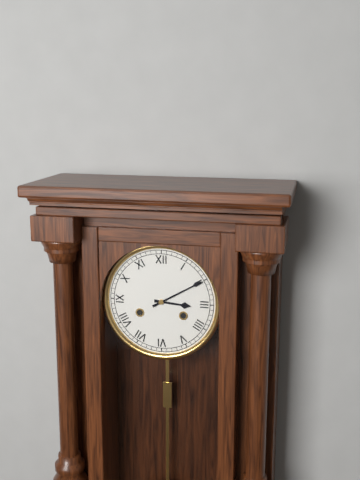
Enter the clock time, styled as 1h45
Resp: 3h10
